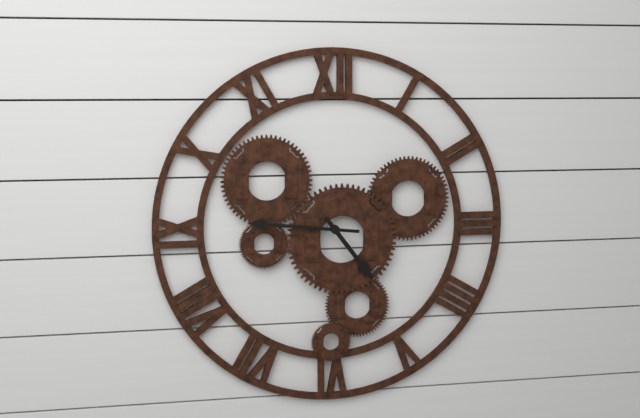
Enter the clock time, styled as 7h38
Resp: 4h46
